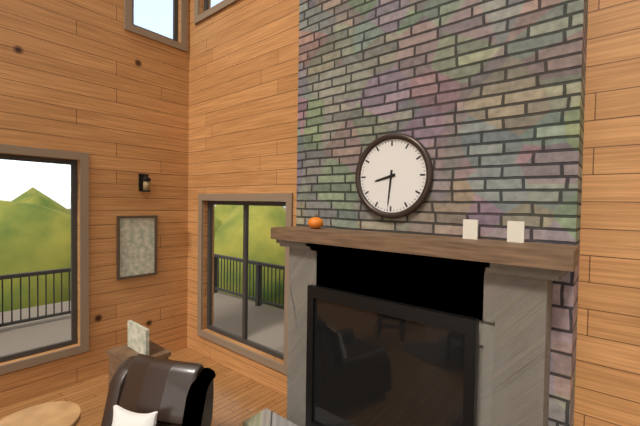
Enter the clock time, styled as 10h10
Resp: 8h31
